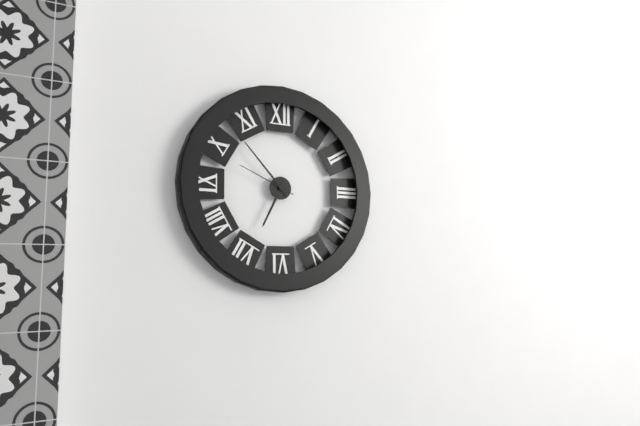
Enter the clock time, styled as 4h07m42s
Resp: 6h53m49s
